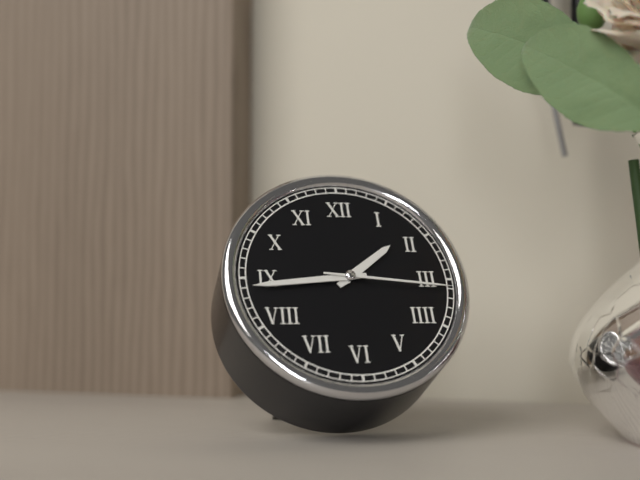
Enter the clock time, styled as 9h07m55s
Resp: 1h44m16s
